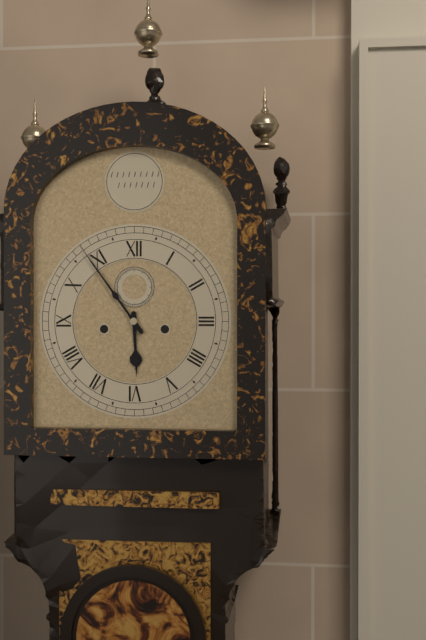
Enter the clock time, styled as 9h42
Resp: 5h54
